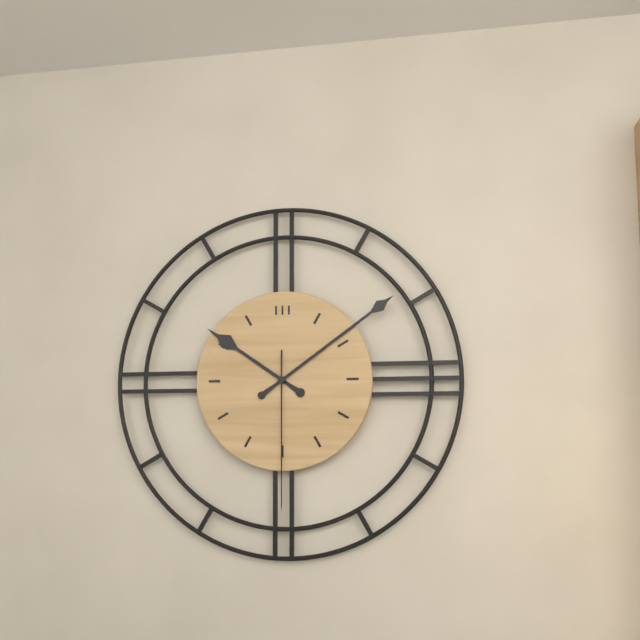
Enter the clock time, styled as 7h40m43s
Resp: 10h09m30s
